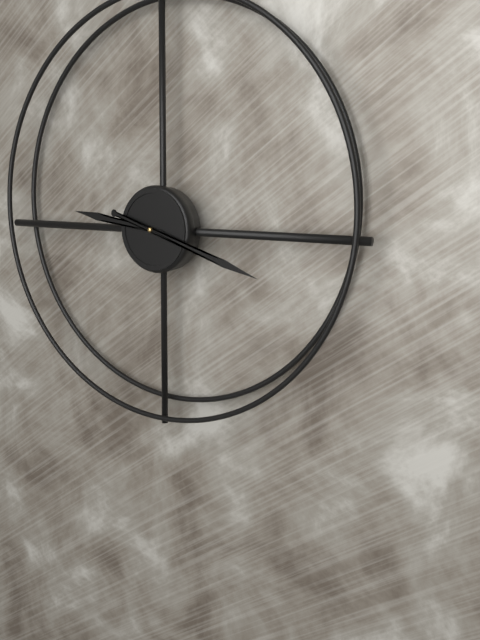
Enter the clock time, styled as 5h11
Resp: 9h18
